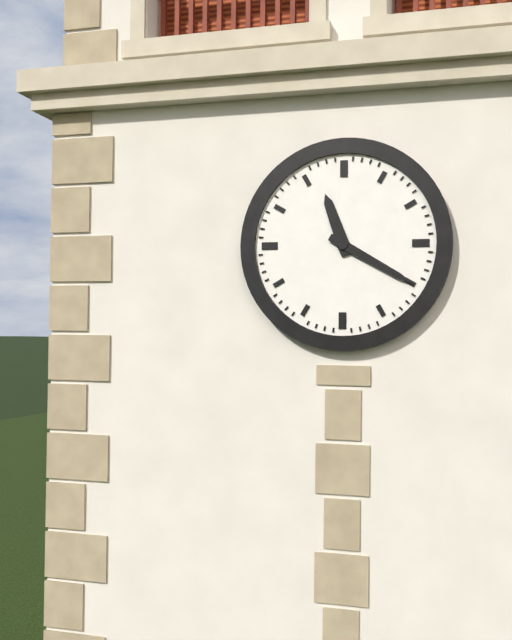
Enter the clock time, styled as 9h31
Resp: 11h20
